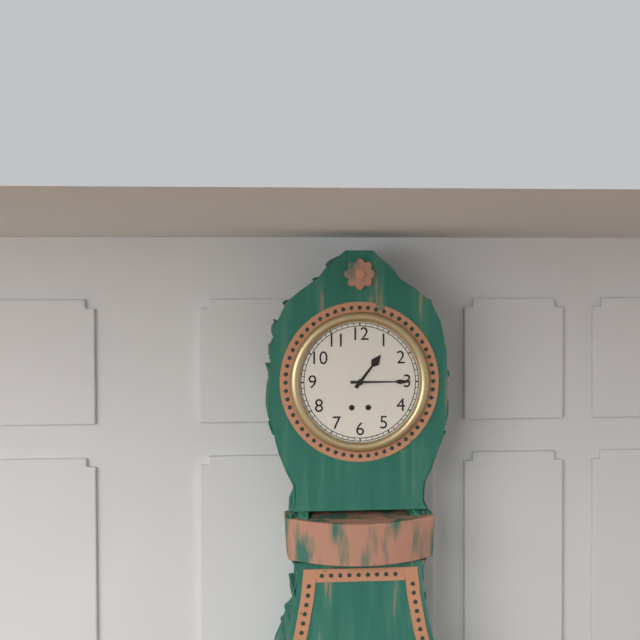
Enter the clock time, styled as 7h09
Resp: 1h15
